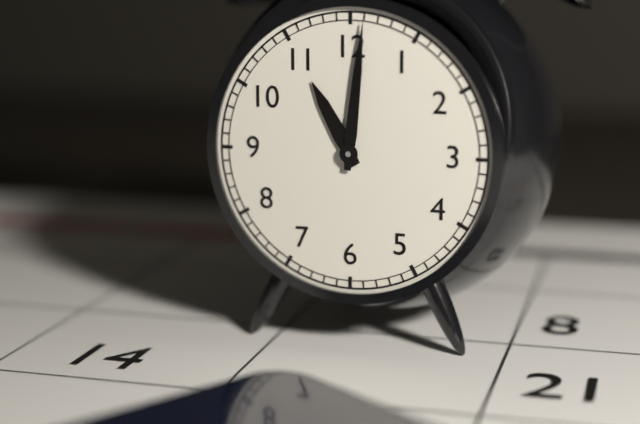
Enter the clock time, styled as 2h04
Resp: 11h01
